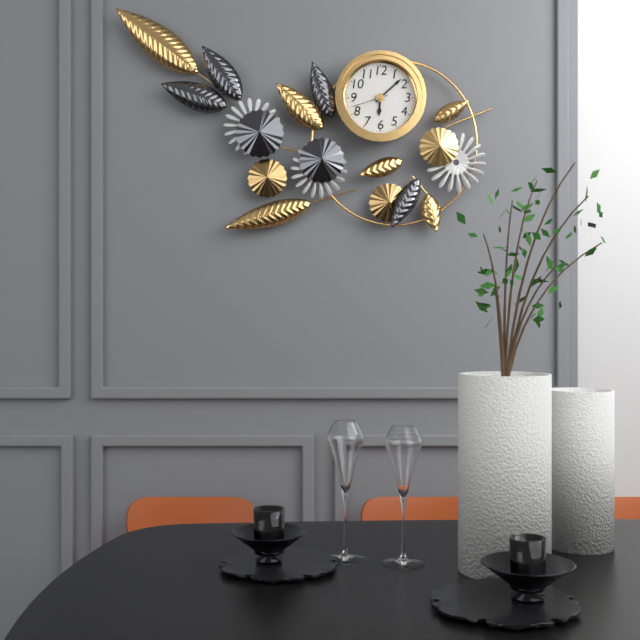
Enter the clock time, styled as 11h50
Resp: 6h08
